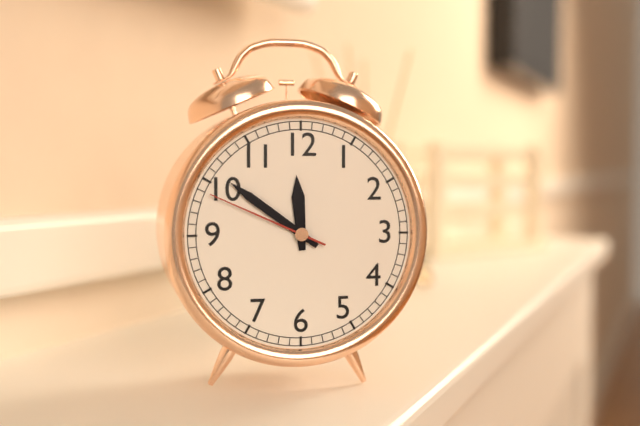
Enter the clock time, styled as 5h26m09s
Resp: 11h51m49s
